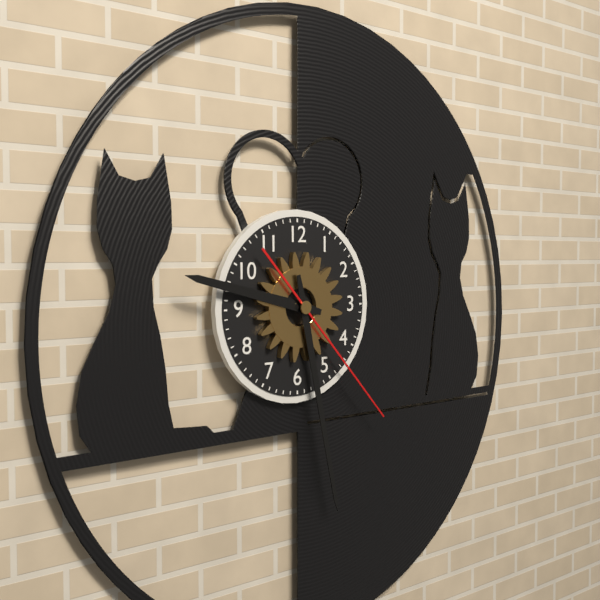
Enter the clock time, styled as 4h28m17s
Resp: 9h28m23s
